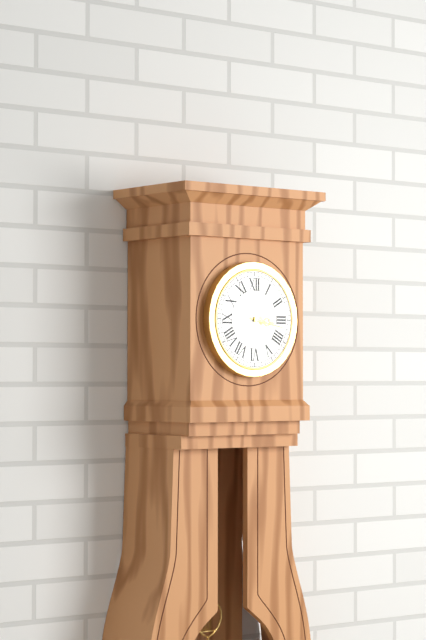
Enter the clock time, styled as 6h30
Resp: 3h17
